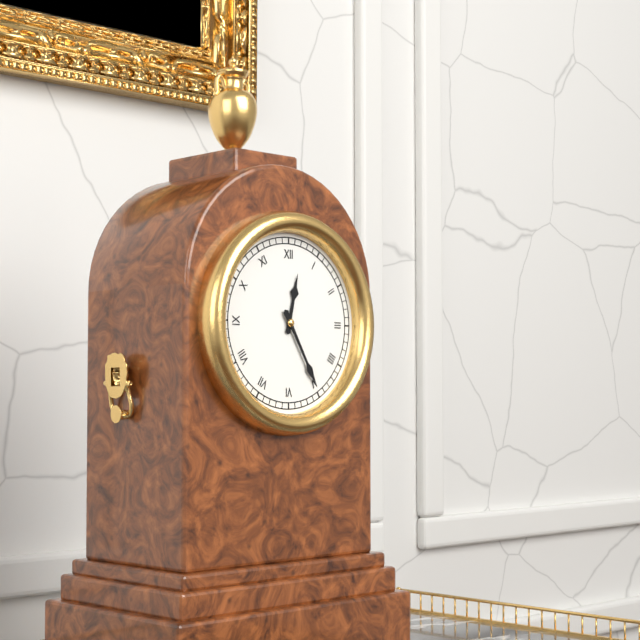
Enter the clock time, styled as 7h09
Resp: 12h25
